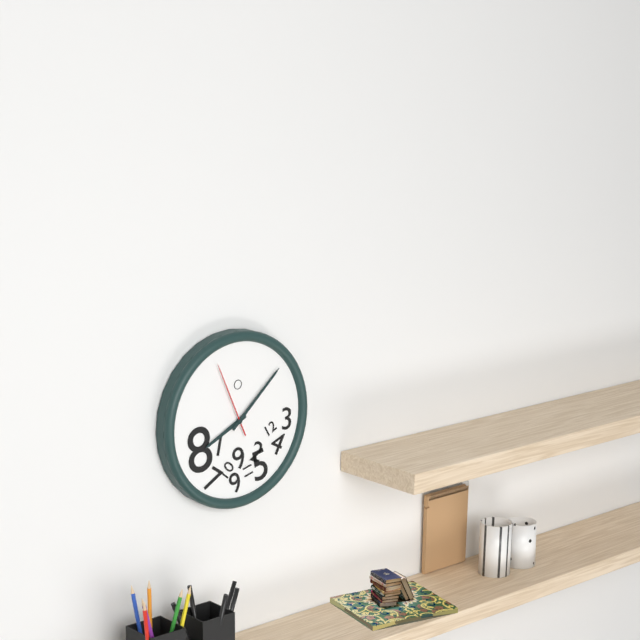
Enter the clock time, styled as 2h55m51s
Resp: 8h08m56s
